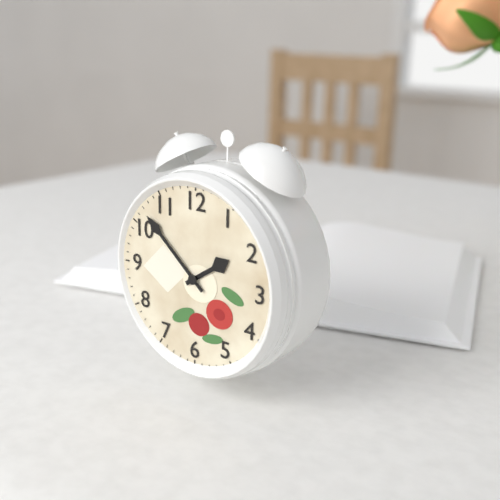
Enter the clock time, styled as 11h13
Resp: 1h52
